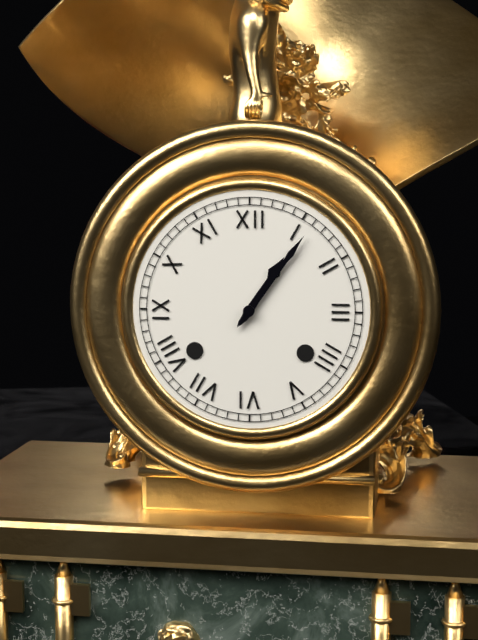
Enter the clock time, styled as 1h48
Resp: 1h06
